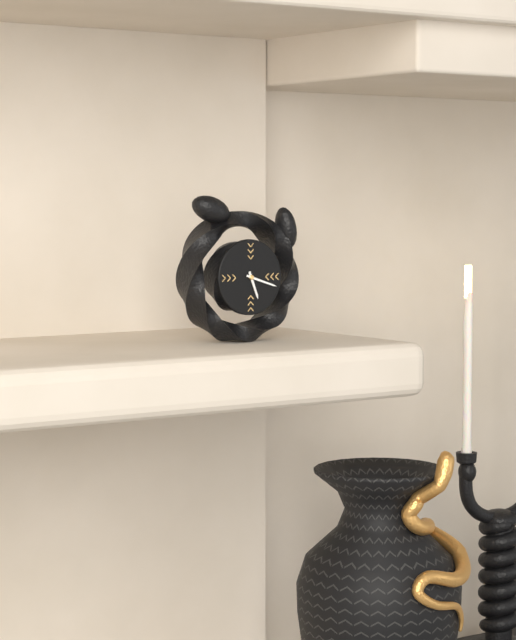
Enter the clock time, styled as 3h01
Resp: 5h18
